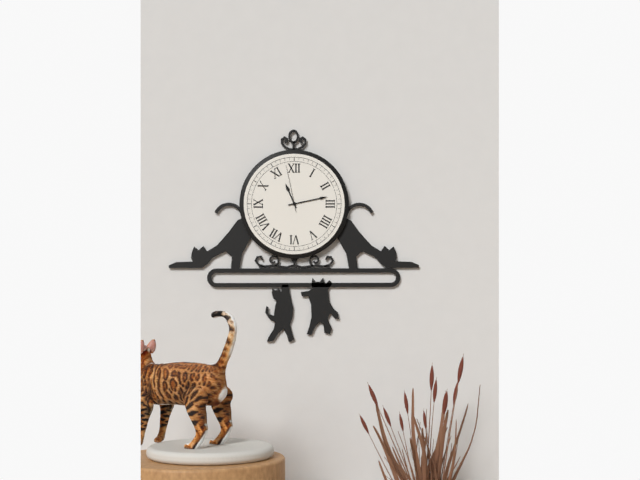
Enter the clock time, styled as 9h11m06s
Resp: 11h13m58s
